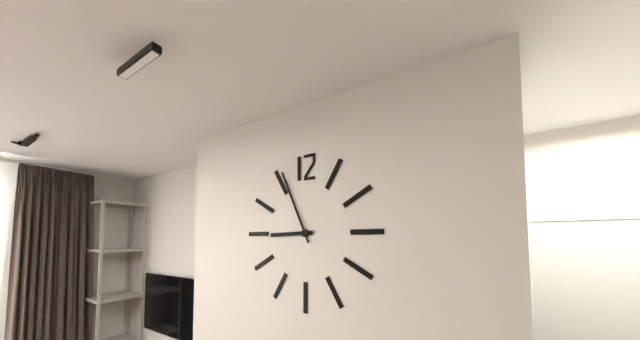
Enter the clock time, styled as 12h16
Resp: 8h56
